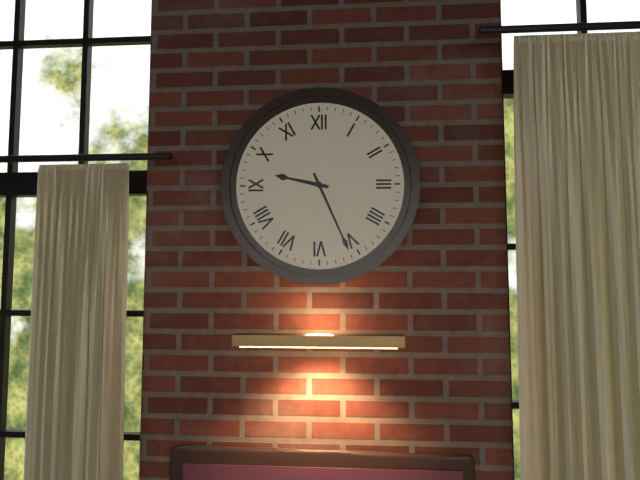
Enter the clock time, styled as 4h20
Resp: 9h26
